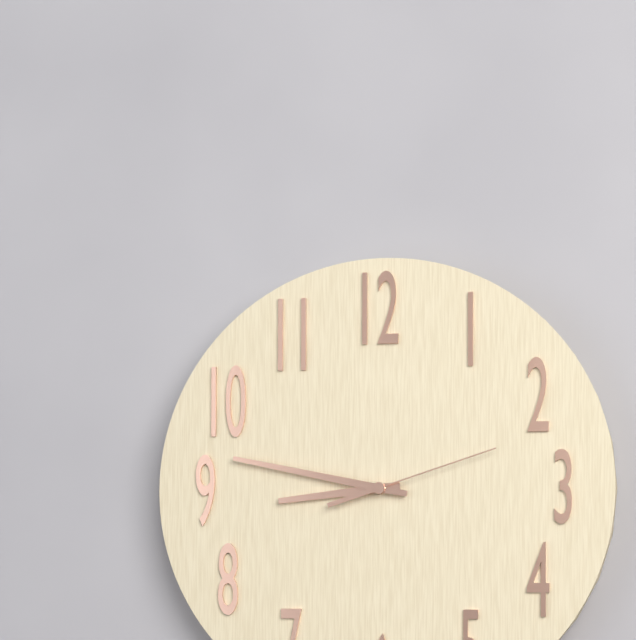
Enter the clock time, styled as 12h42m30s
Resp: 8h47m12s
